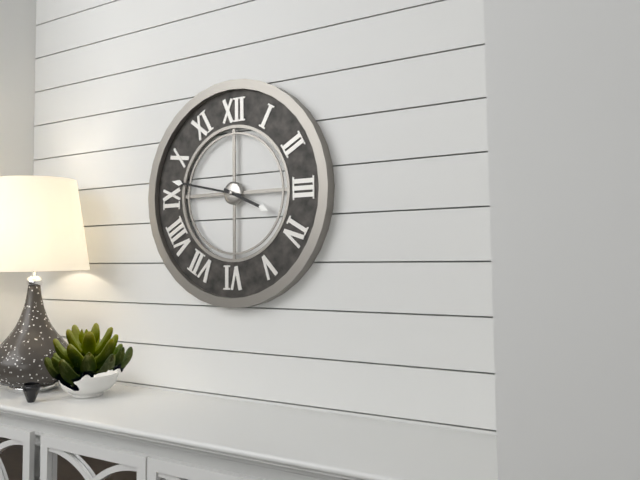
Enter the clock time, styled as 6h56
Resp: 3h47
